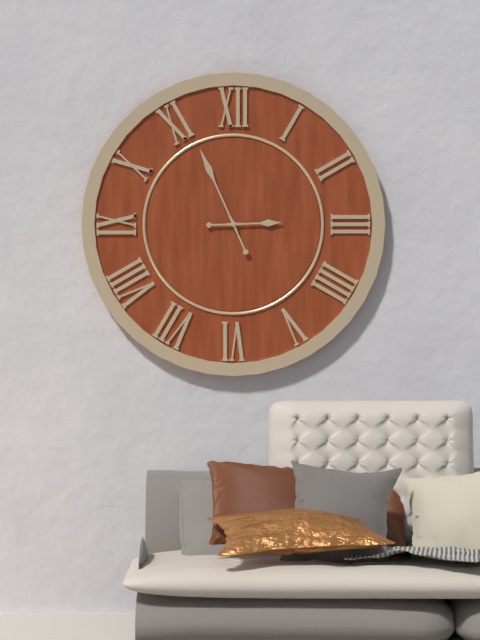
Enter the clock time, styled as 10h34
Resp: 2h56
